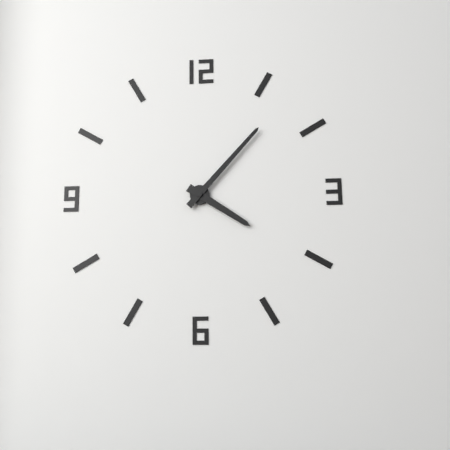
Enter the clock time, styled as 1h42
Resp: 4h07
